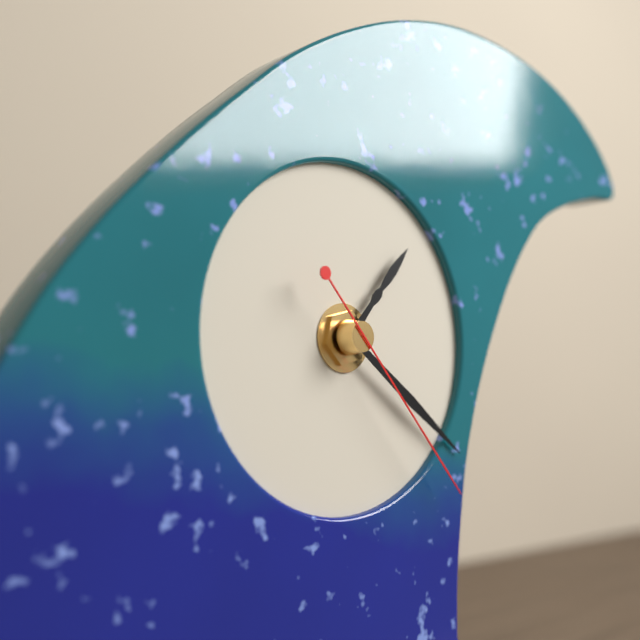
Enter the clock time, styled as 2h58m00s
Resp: 1h21m23s
